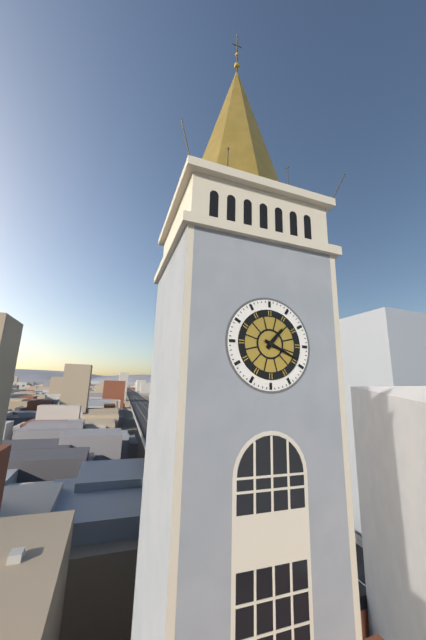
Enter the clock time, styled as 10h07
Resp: 1h19
